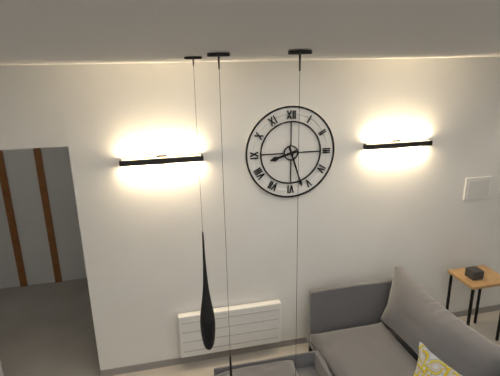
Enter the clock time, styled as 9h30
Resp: 8h27
